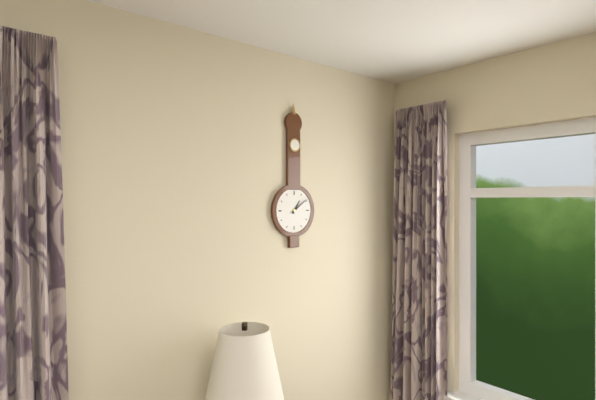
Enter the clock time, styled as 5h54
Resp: 1h09
